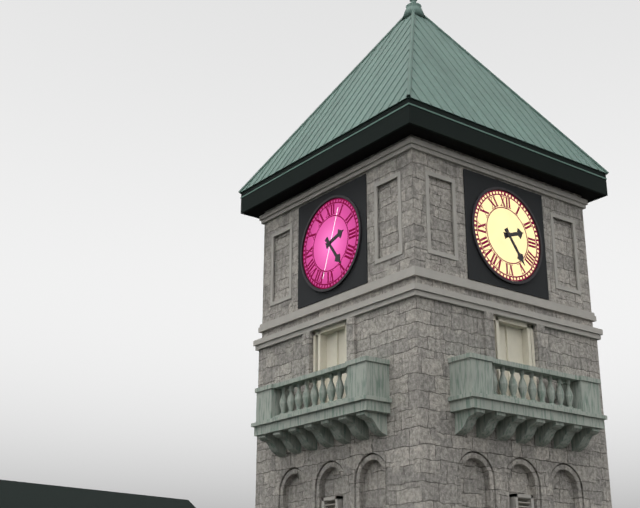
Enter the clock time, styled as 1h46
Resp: 2h24
